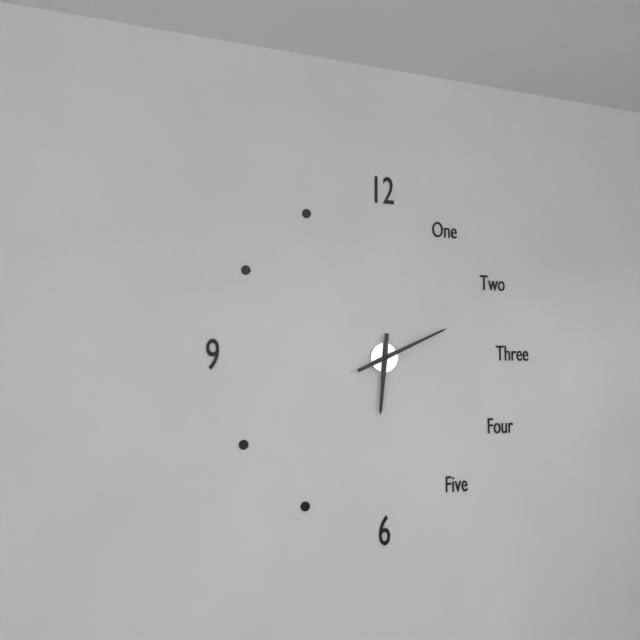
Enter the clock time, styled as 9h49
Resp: 6h11
